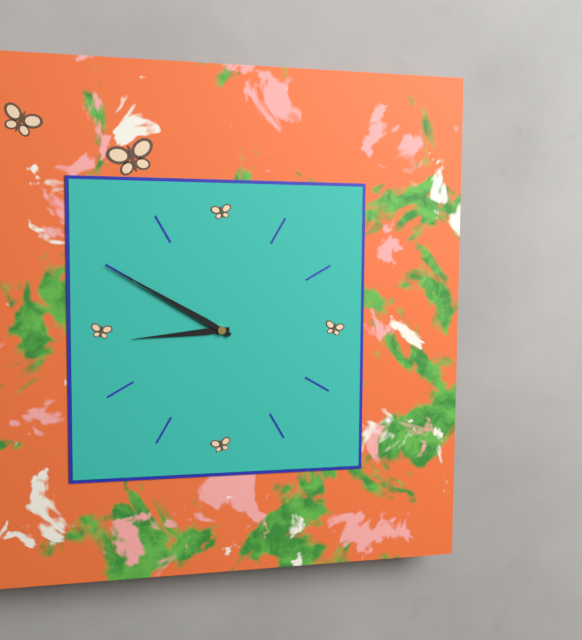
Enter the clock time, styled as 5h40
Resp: 8h50
